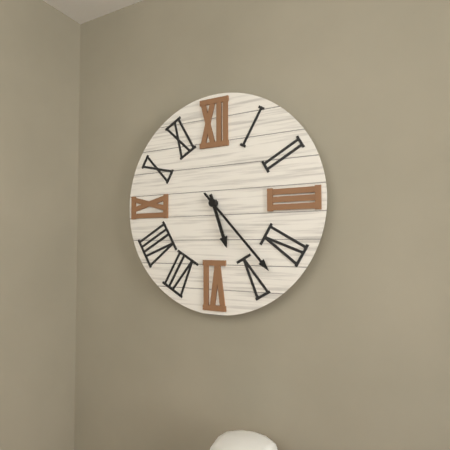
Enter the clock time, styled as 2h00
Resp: 5h23
